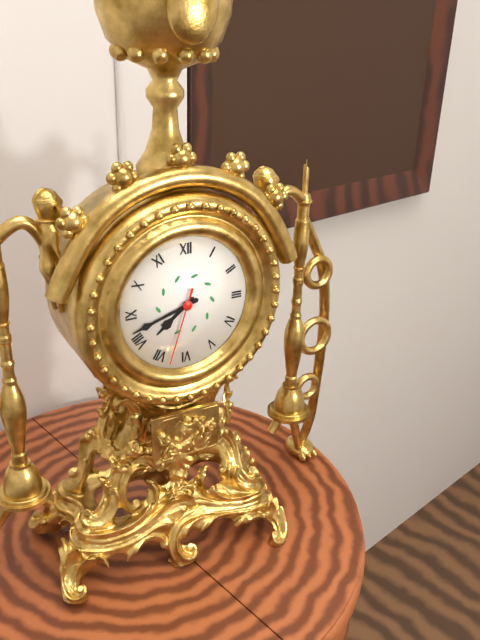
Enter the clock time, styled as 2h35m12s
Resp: 7h42m33s
